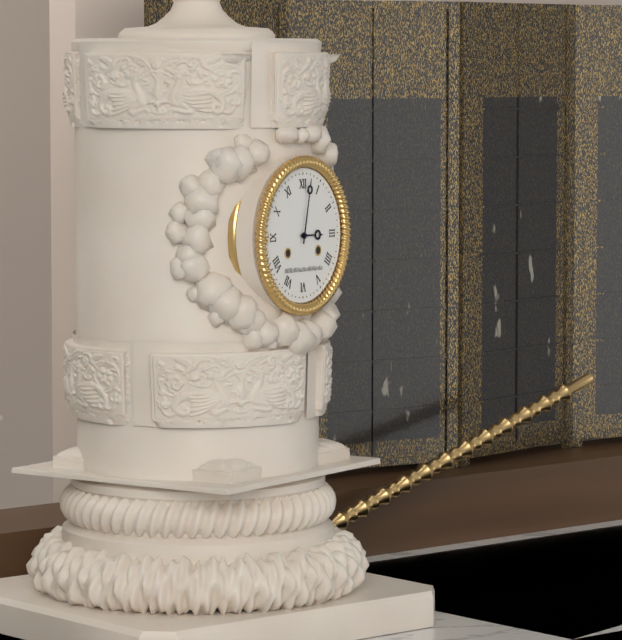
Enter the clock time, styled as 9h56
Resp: 3h02
